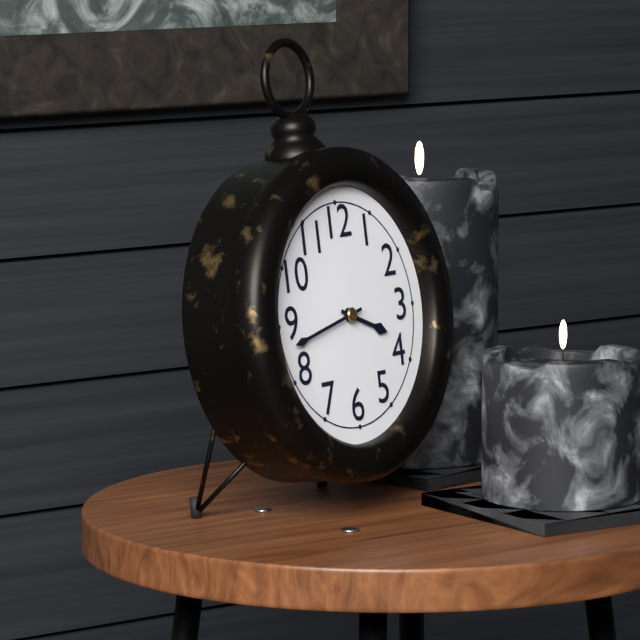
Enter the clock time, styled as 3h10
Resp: 3h43
